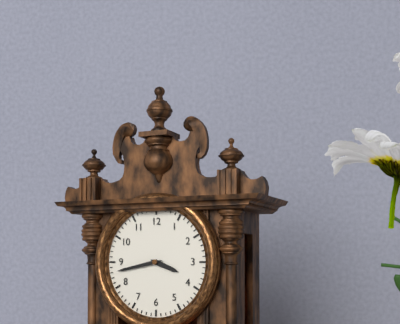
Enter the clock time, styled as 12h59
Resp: 3h43
